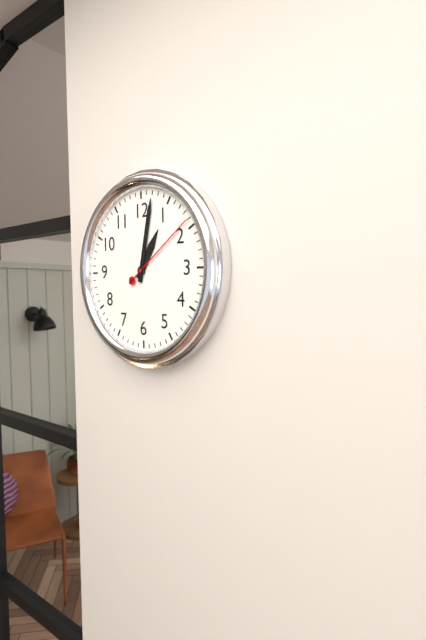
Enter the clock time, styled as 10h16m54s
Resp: 1h02m09s
